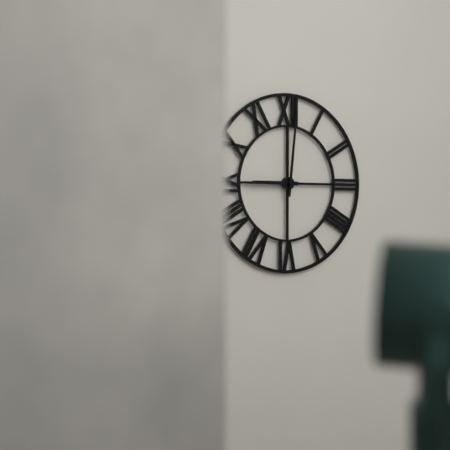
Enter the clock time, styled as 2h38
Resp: 9h01
